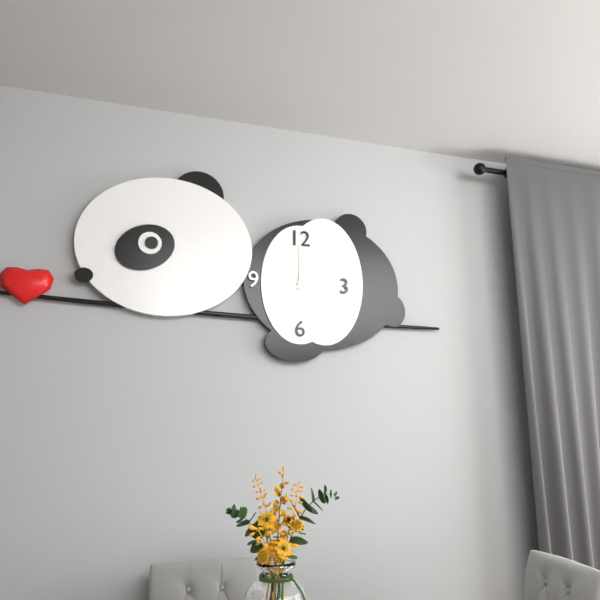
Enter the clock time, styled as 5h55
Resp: 1h00
